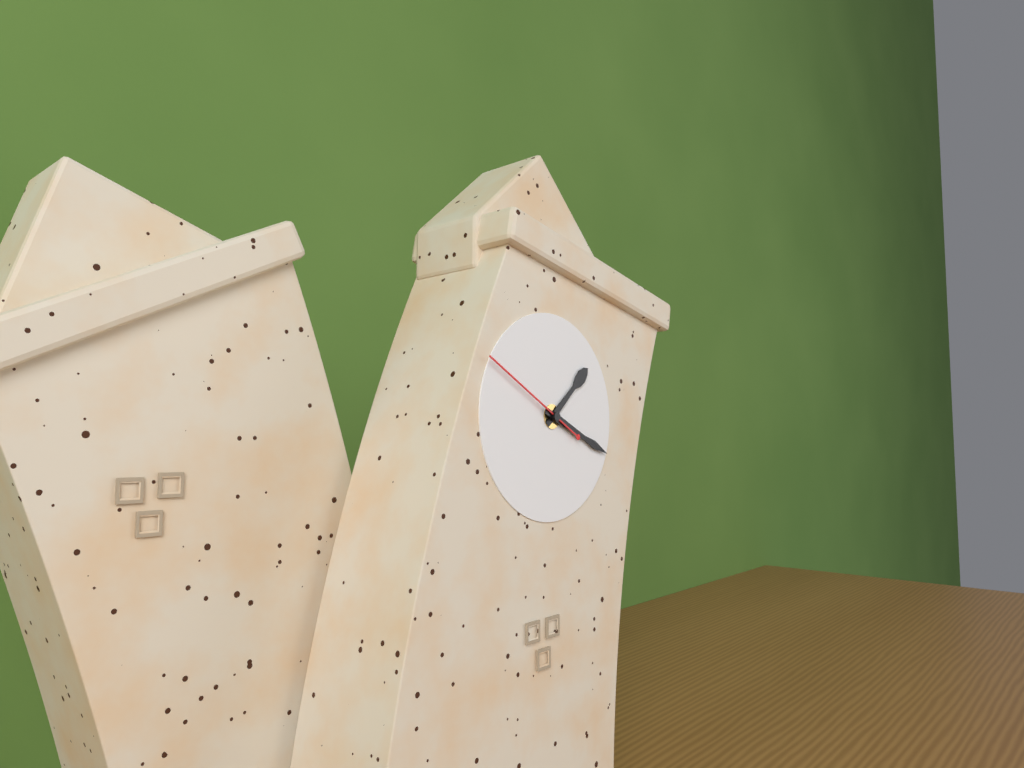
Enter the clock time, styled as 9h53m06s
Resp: 1h17m48s
